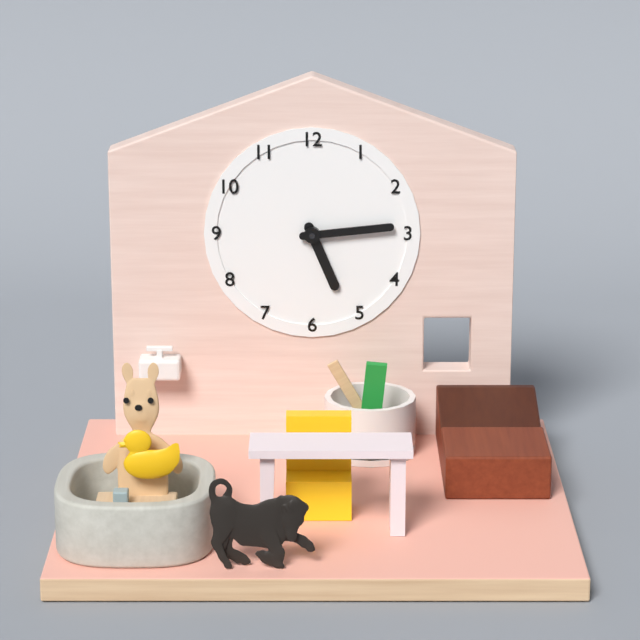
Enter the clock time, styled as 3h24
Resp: 5h14
